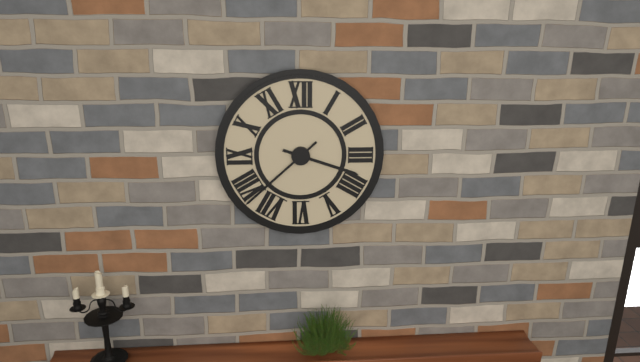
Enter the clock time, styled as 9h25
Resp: 3h38
